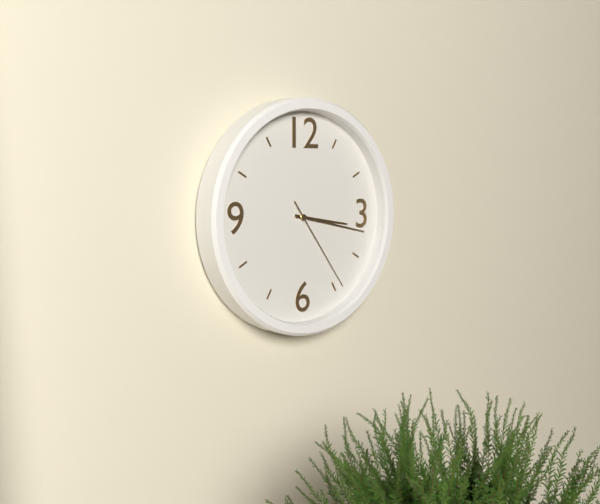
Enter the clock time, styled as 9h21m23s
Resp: 3h17m24s
